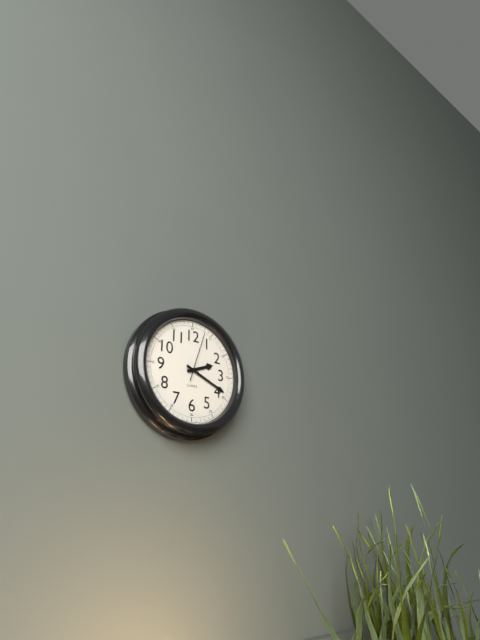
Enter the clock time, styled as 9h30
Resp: 2h19
